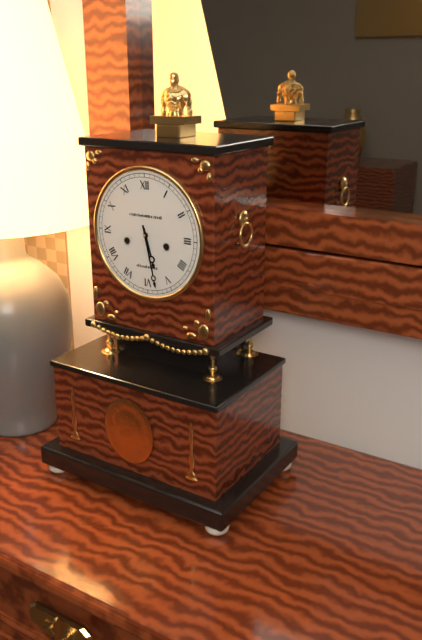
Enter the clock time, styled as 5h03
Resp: 5h28
